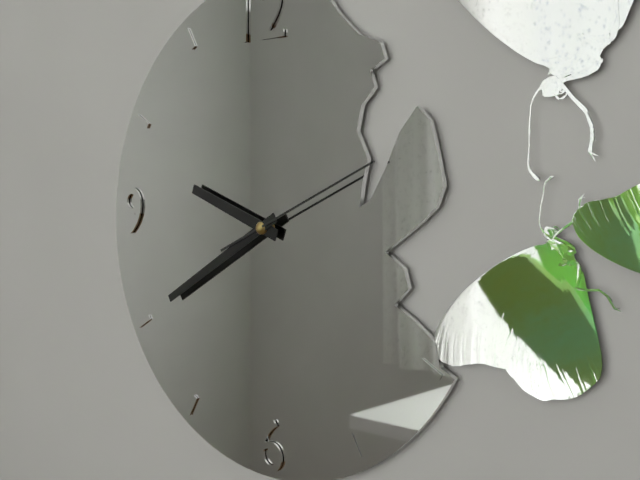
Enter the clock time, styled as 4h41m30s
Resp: 9h40m11s
